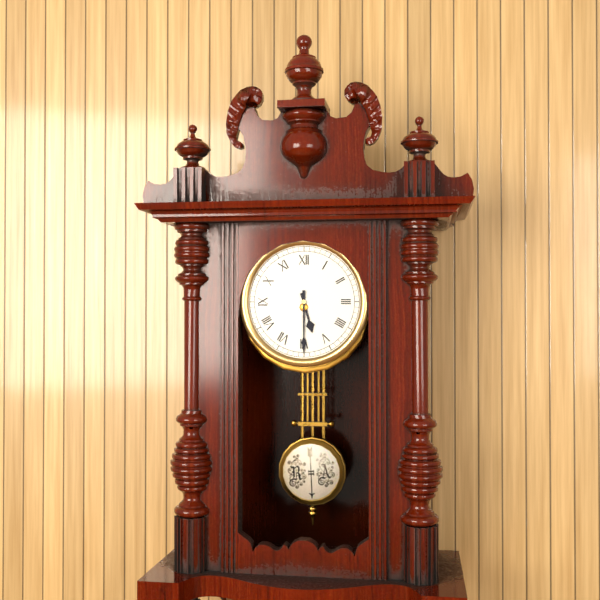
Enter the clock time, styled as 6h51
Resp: 5h30
